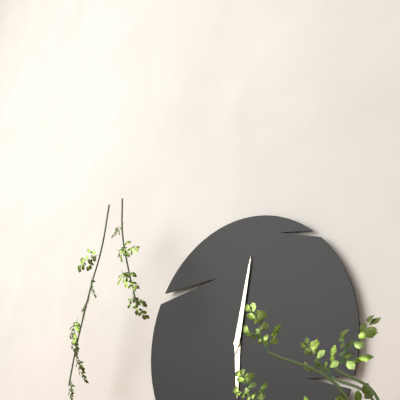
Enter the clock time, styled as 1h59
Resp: 6h02
